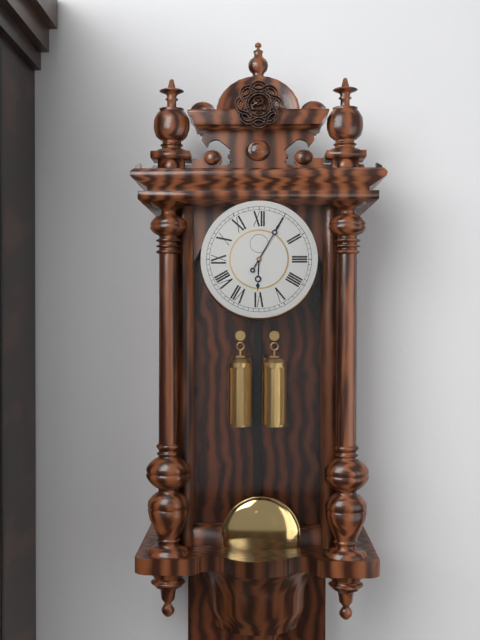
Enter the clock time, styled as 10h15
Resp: 6h05
